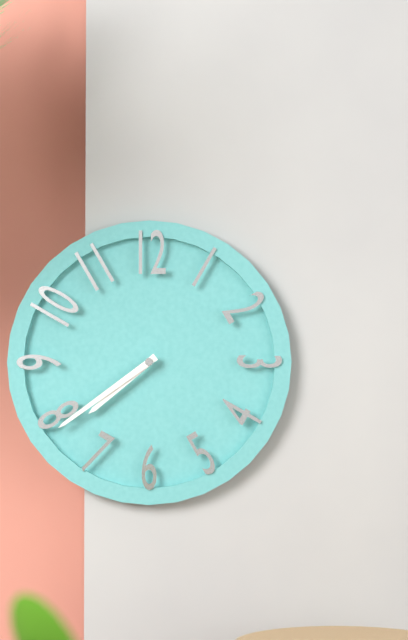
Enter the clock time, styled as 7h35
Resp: 7h39
